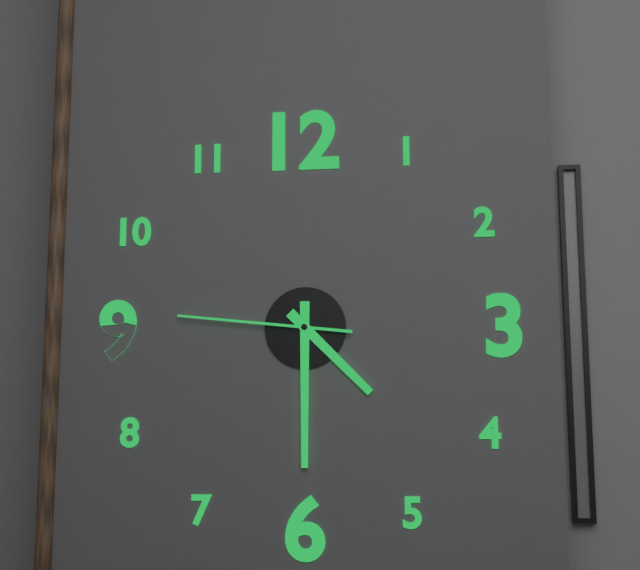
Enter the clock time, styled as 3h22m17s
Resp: 4h30m46s
